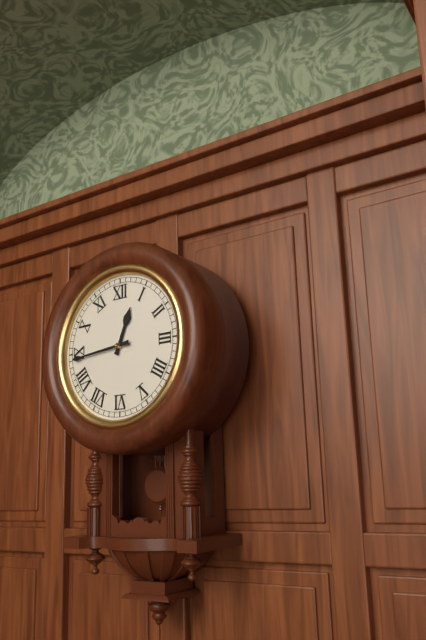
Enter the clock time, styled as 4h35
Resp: 12h44
